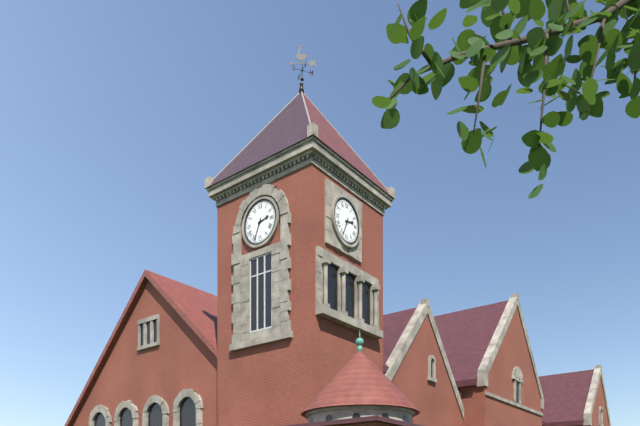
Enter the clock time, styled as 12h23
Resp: 2h34
